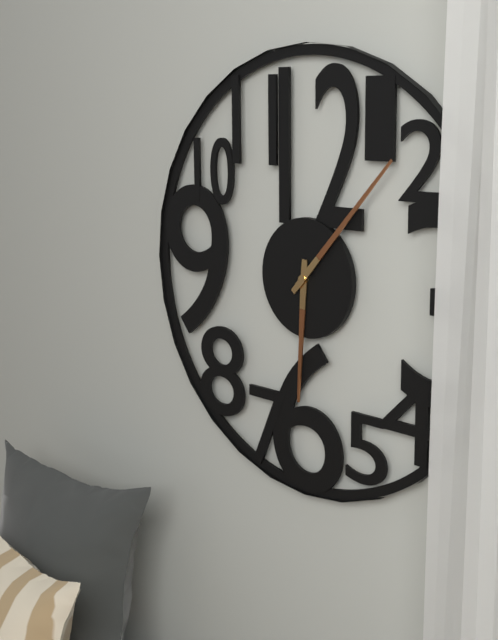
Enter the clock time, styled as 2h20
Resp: 6h07
